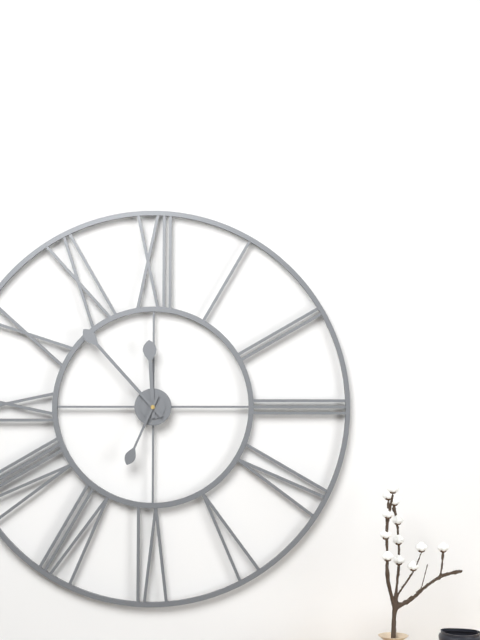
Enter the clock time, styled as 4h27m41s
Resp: 11h53m34s
